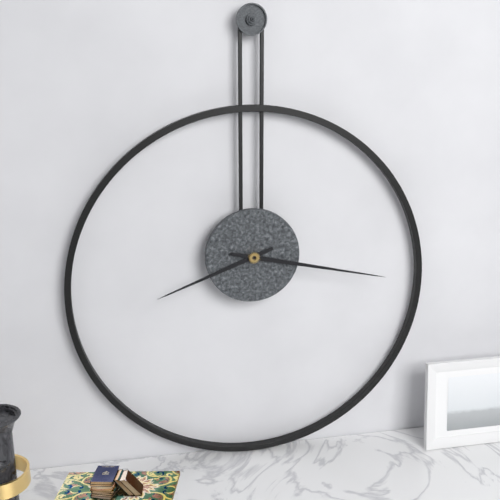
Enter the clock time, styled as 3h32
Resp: 8h17
